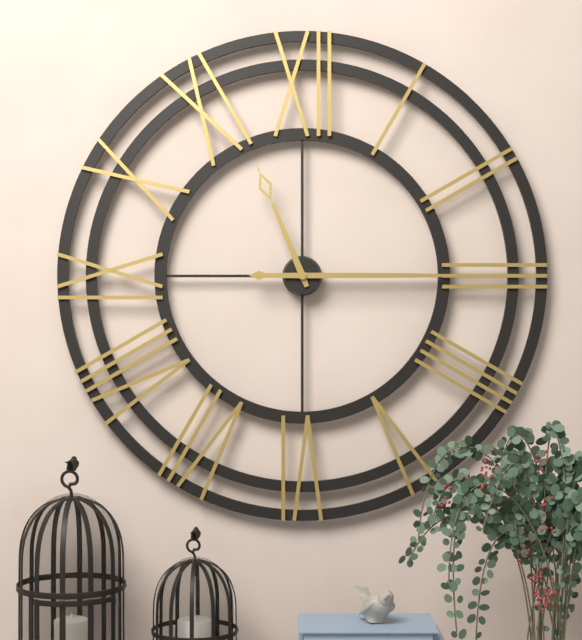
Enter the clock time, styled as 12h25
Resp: 11h15
